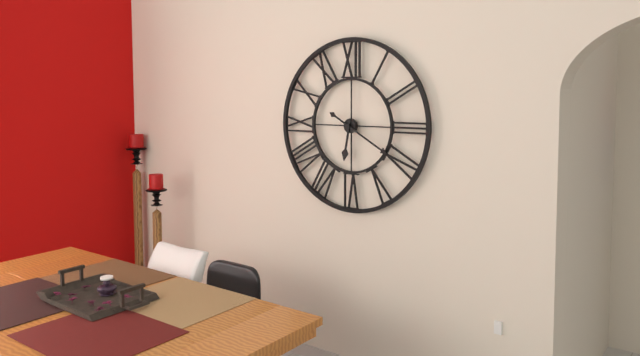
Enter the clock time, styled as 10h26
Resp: 6h20
